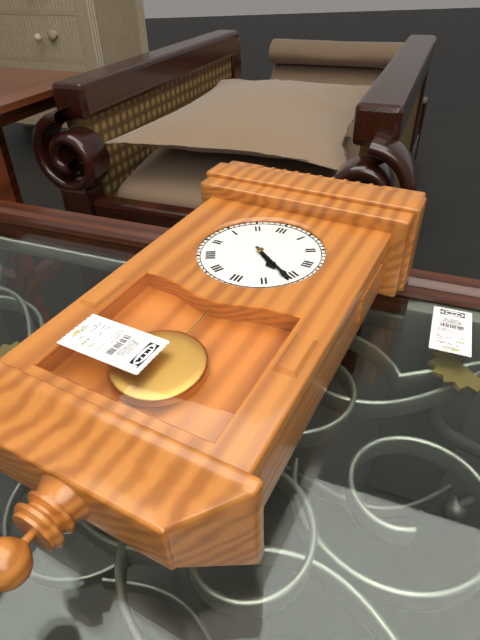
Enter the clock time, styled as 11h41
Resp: 4h21
